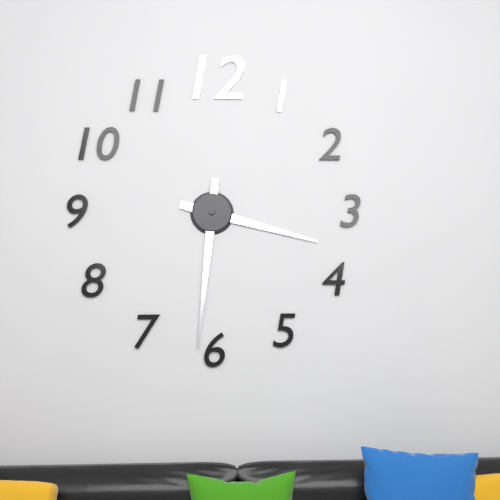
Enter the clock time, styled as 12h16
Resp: 3h31
